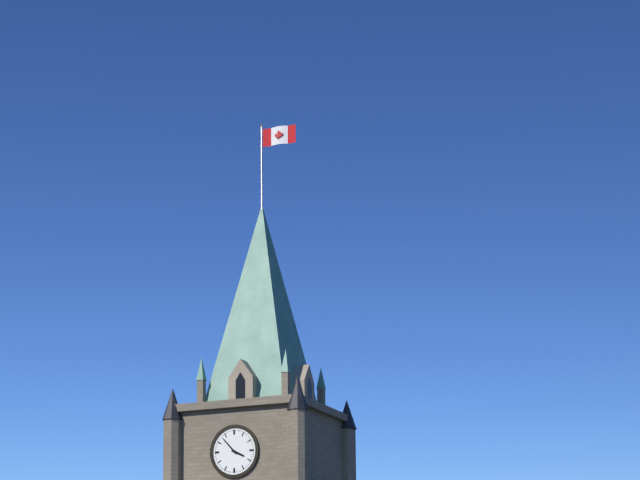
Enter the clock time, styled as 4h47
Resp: 3h53
